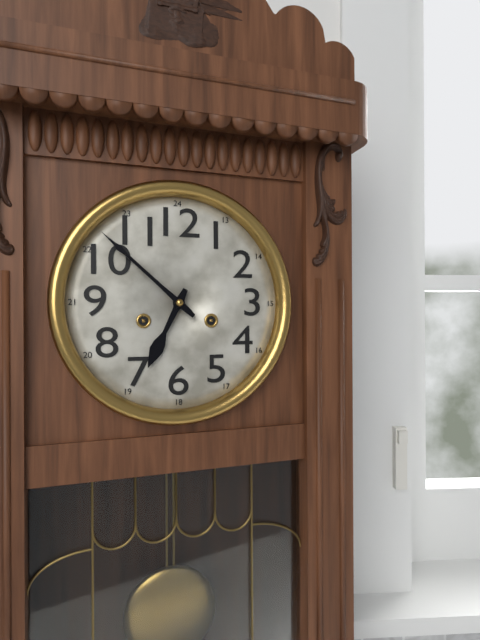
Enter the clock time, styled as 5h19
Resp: 6h52
